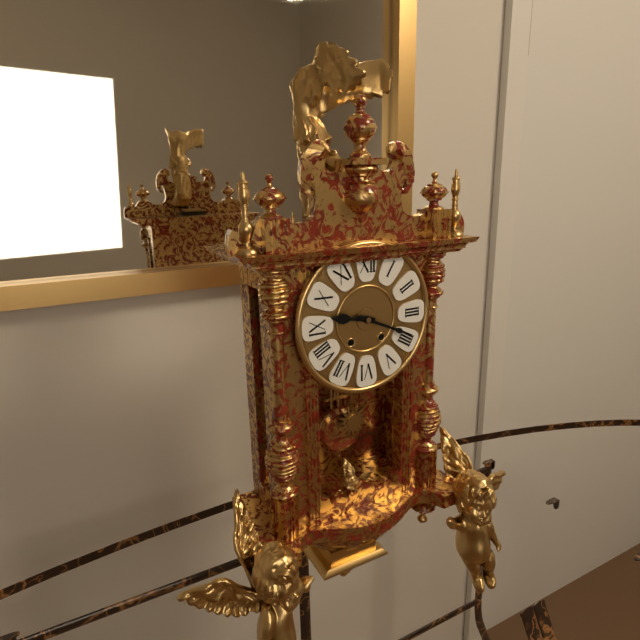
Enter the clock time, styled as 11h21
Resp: 9h19
